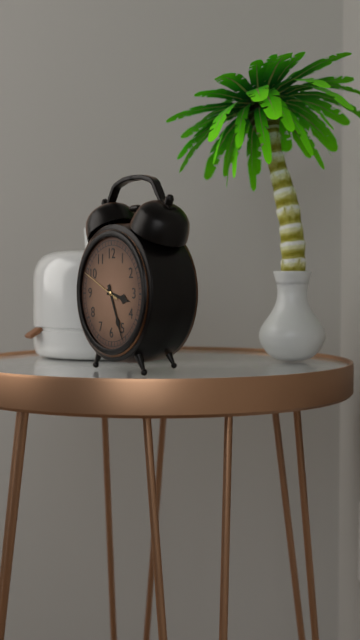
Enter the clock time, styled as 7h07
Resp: 3h26
